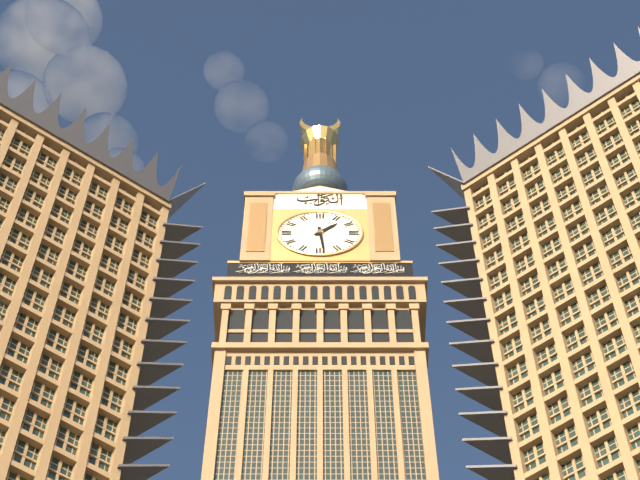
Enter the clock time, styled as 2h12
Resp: 1h29
